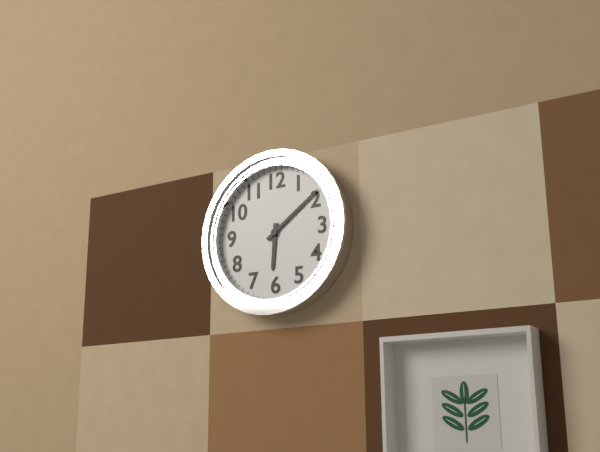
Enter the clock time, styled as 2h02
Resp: 6h09
